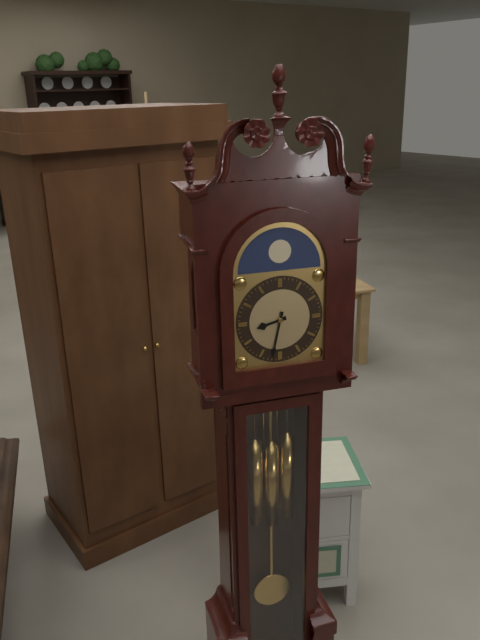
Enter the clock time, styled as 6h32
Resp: 8h32
